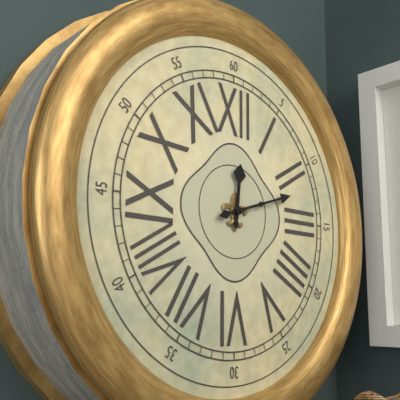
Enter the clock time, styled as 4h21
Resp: 12h12
